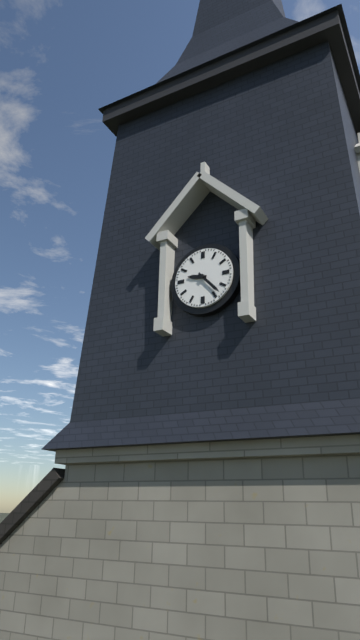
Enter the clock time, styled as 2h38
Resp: 9h23
